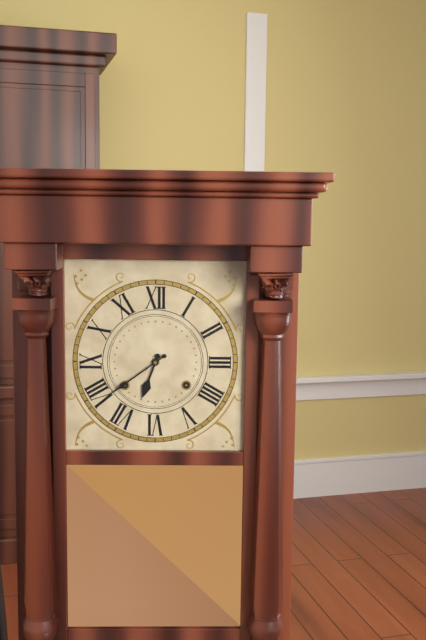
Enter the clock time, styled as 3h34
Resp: 6h39
